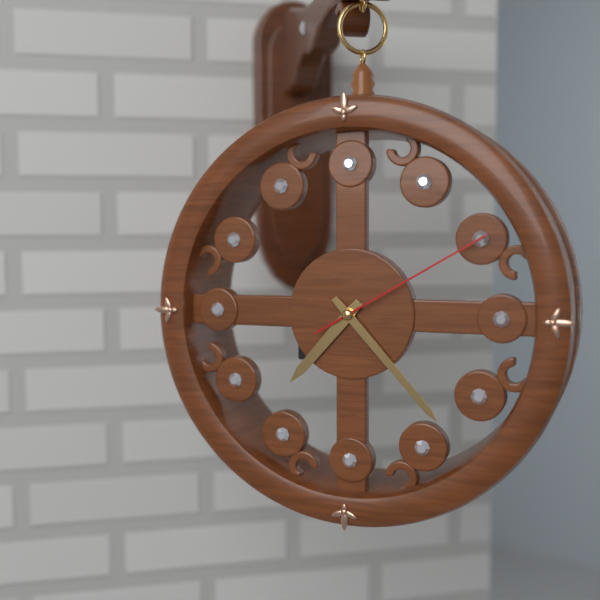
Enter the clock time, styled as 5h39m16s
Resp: 7h23m10s
